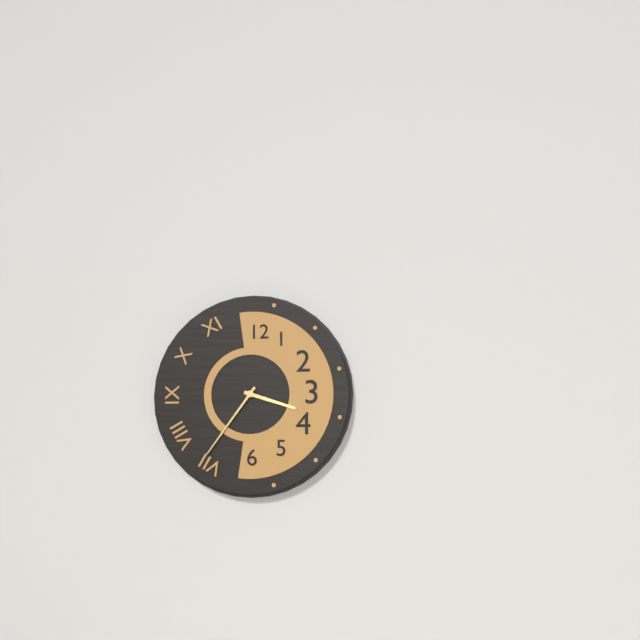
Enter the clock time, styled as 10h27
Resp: 3h36
